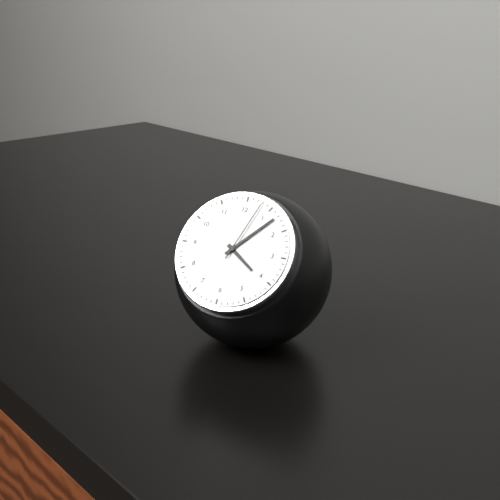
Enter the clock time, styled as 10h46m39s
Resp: 4h07m03s
